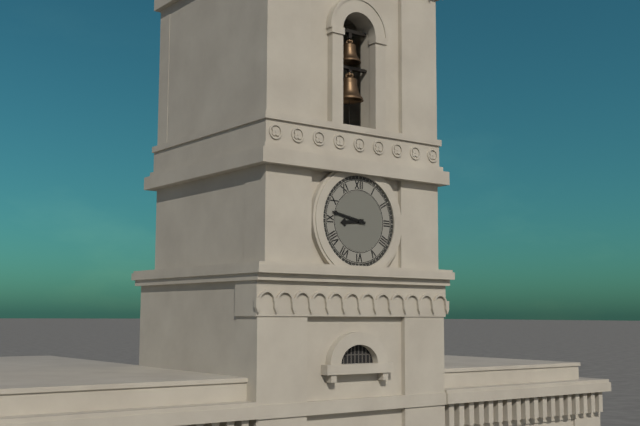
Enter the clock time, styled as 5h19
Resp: 8h47
